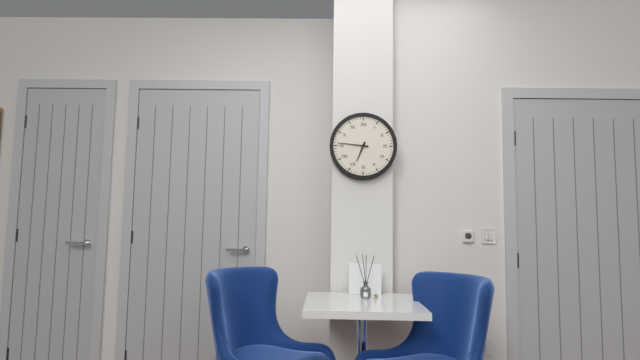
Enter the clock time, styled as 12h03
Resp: 6h46
